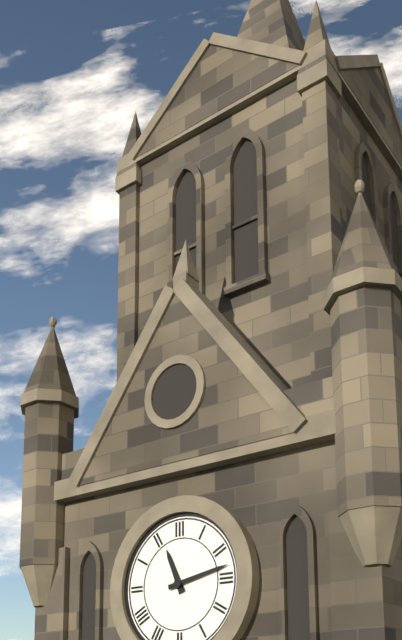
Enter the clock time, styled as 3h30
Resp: 11h13
